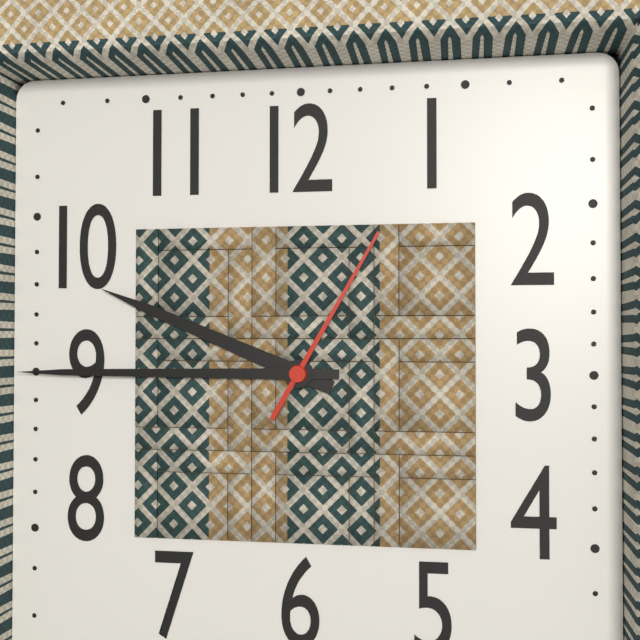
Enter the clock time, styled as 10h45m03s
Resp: 9h45m05s
